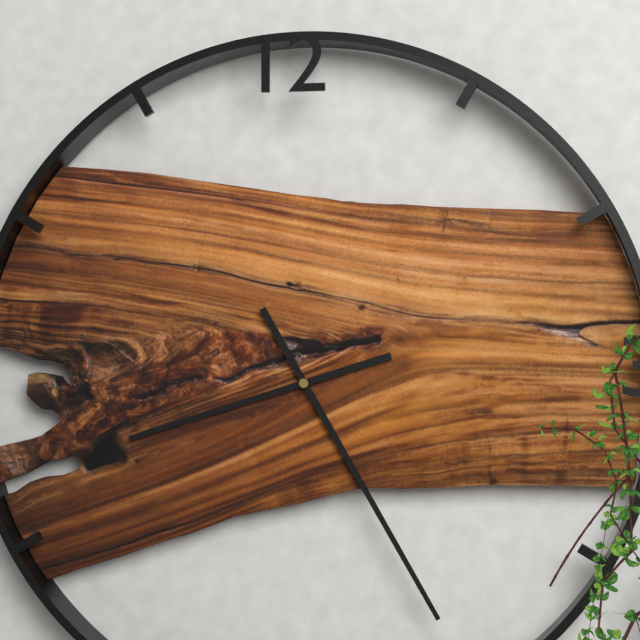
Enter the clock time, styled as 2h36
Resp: 8h25
